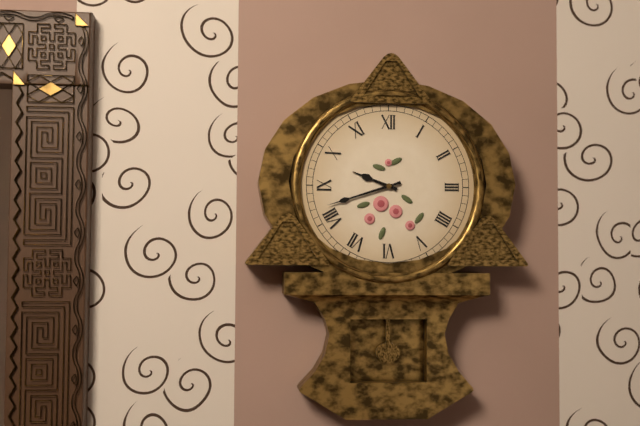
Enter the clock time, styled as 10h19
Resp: 9h42
